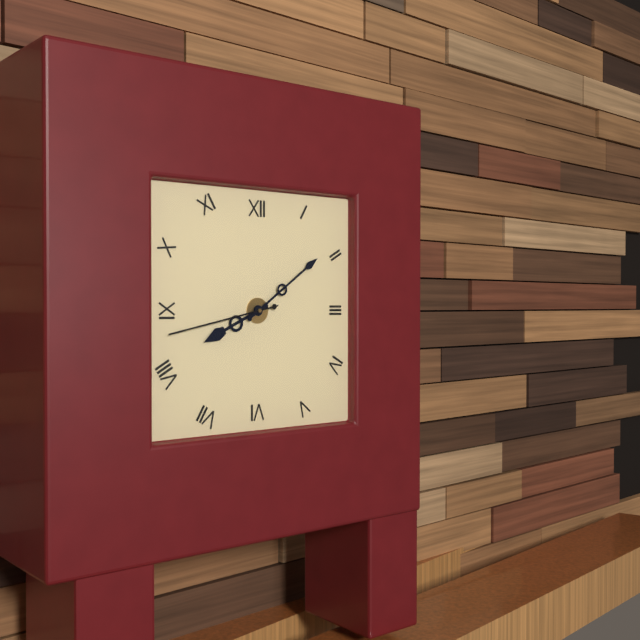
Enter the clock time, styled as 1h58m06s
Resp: 8h09m43s
